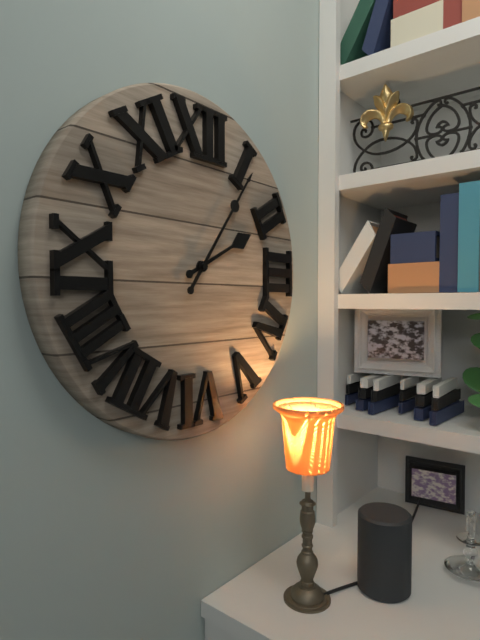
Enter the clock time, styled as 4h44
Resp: 2h06
